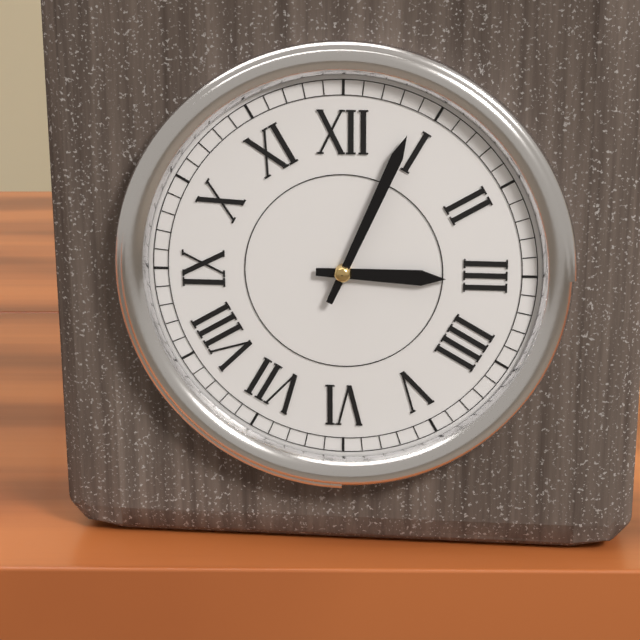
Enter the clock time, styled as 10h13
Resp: 3h04
